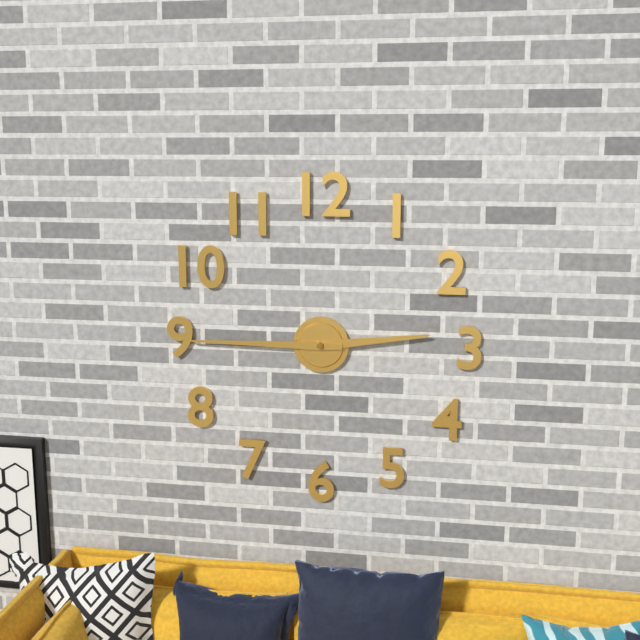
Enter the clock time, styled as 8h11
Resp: 2h45
